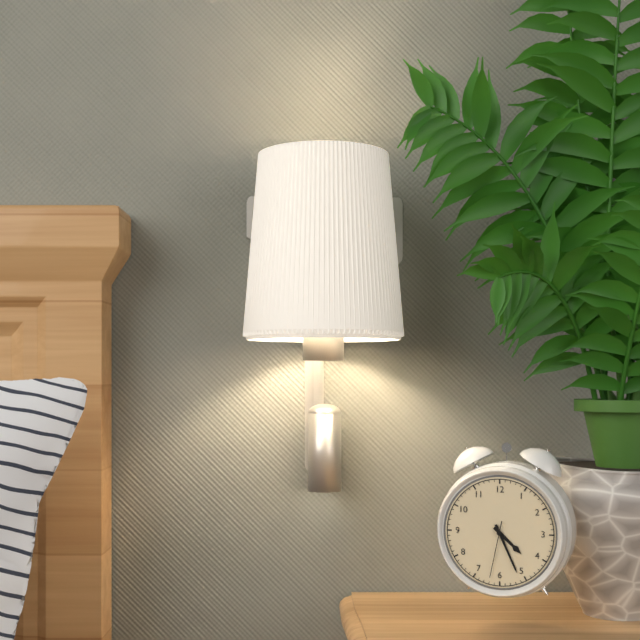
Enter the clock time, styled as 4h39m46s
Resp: 4h26m32s
